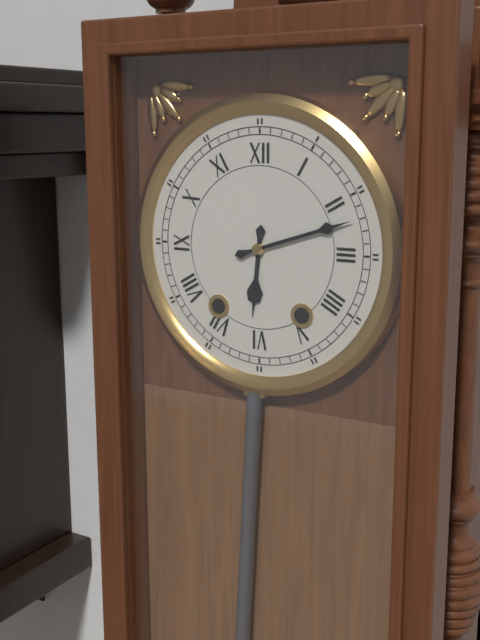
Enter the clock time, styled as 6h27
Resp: 6h12
